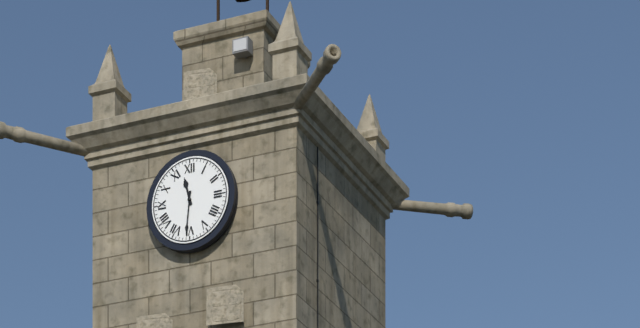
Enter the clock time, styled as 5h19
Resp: 11h31
